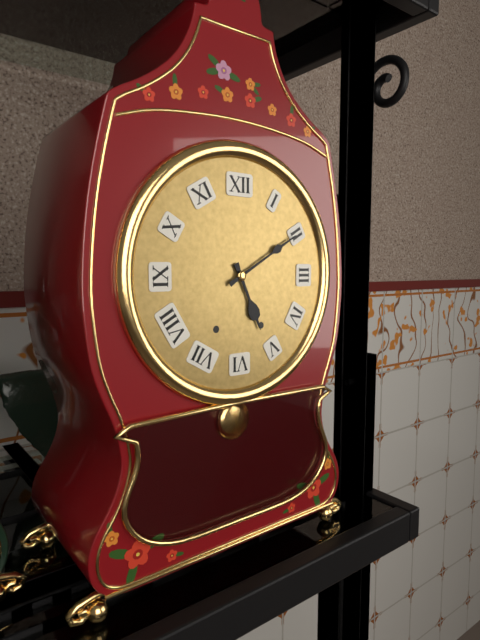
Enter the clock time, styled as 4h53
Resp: 5h10
